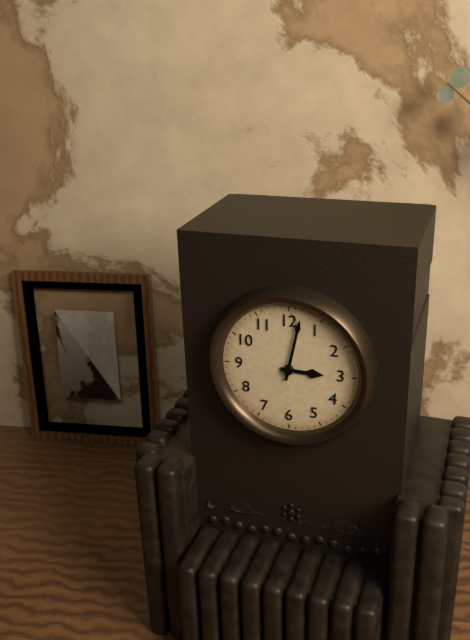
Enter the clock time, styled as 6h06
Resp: 3h02
